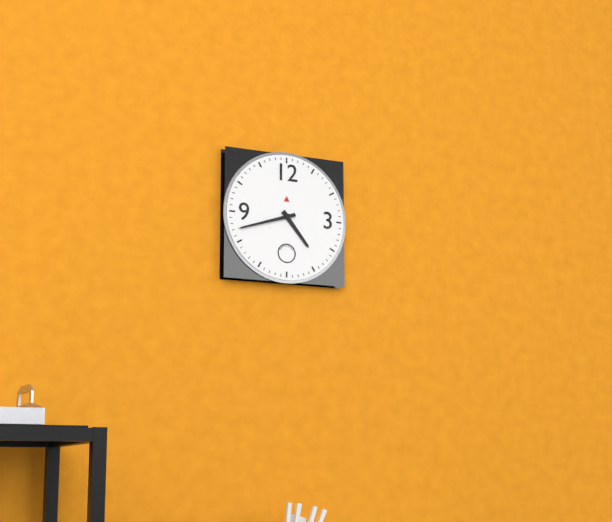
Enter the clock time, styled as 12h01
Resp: 4h42
